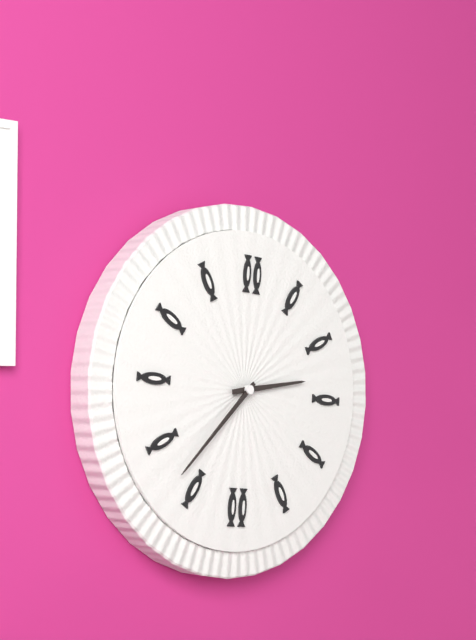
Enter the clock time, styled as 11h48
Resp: 2h37
